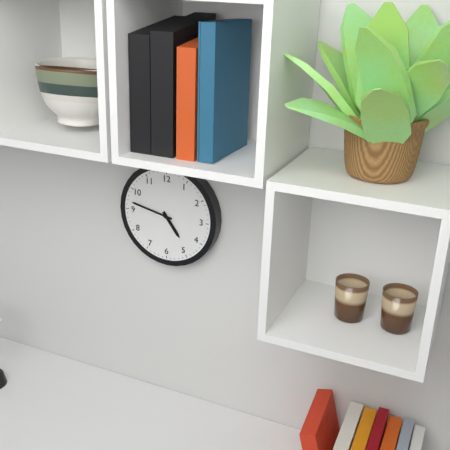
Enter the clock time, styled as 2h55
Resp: 4h47
